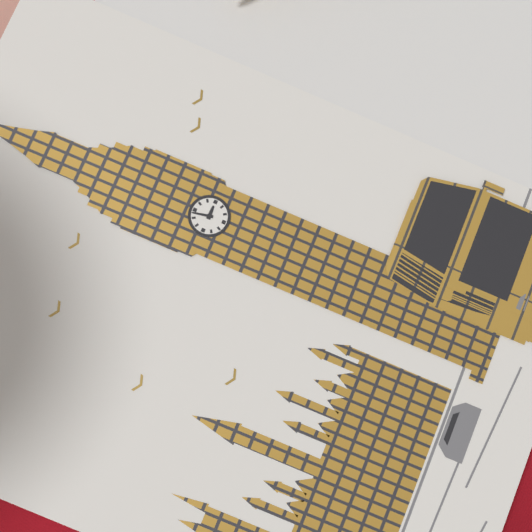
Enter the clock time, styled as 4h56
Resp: 2h58
